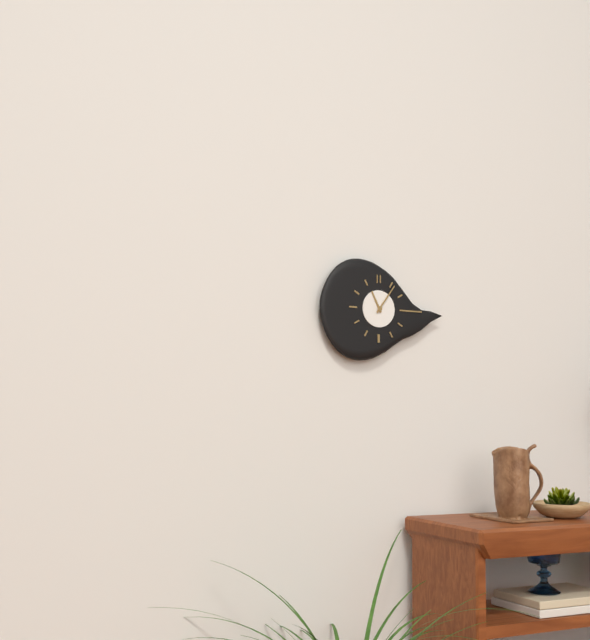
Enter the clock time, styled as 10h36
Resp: 11h06
